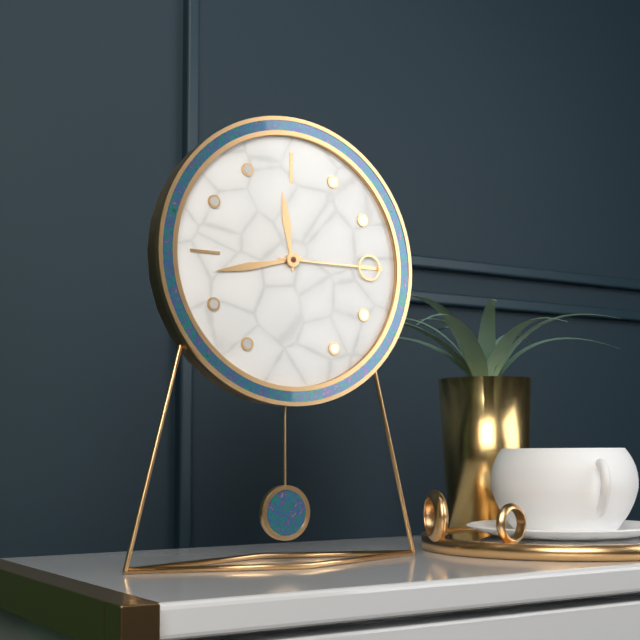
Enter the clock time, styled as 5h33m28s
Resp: 11h43m15s
